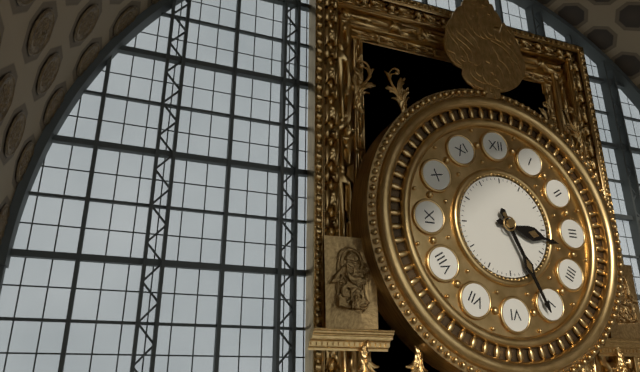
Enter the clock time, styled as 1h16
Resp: 3h26
